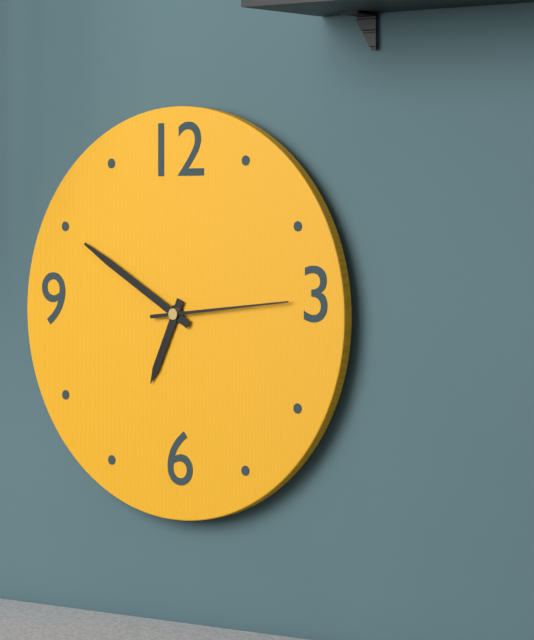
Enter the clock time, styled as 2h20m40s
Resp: 6h50m14s
